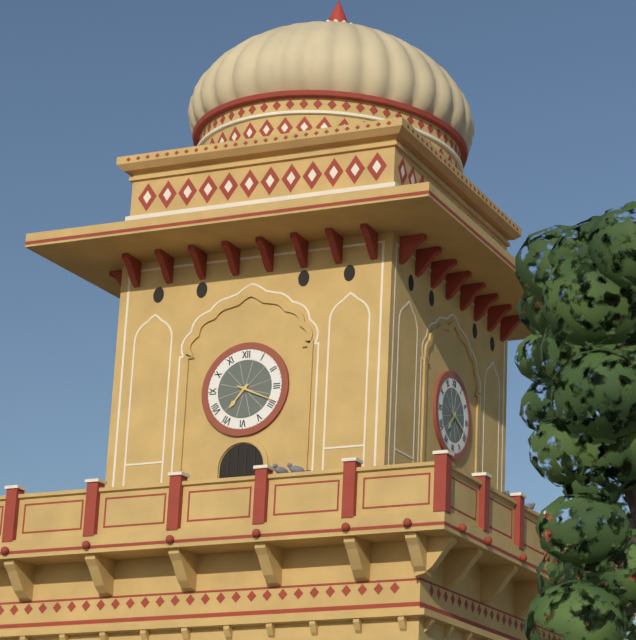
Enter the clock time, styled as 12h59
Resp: 7h19
